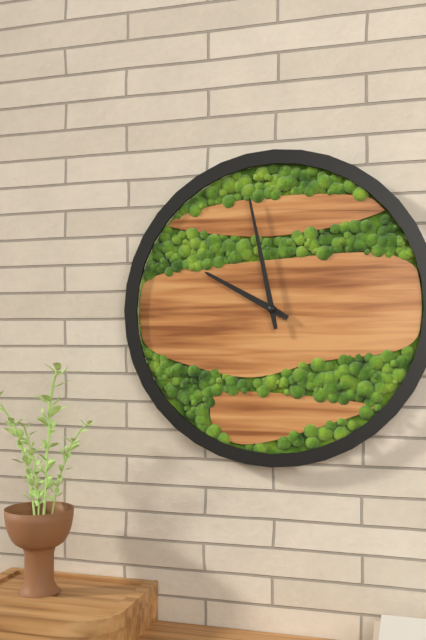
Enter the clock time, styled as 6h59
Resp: 9h58
